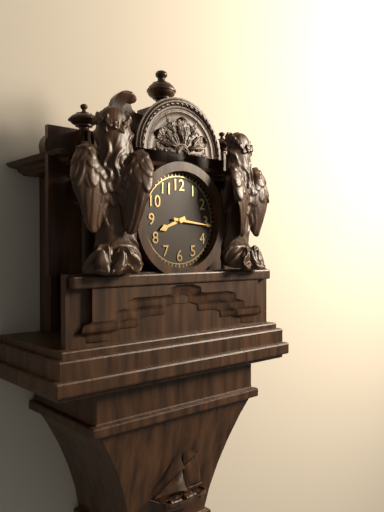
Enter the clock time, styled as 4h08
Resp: 8h16
